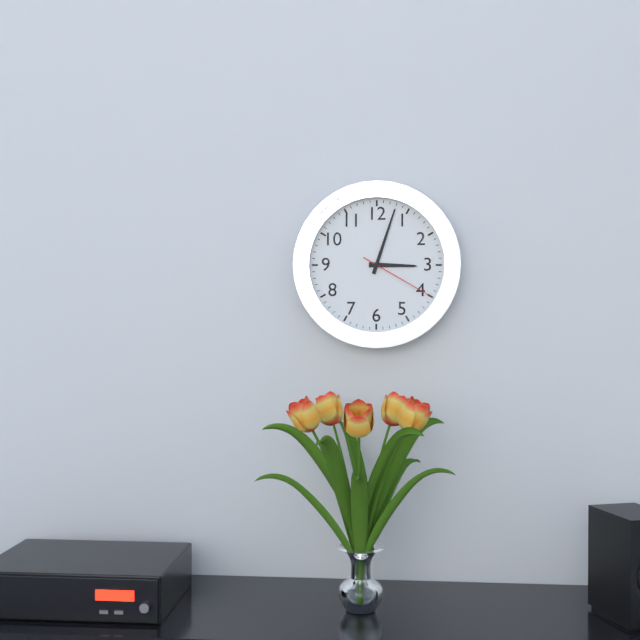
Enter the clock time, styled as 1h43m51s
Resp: 3h03m20s
